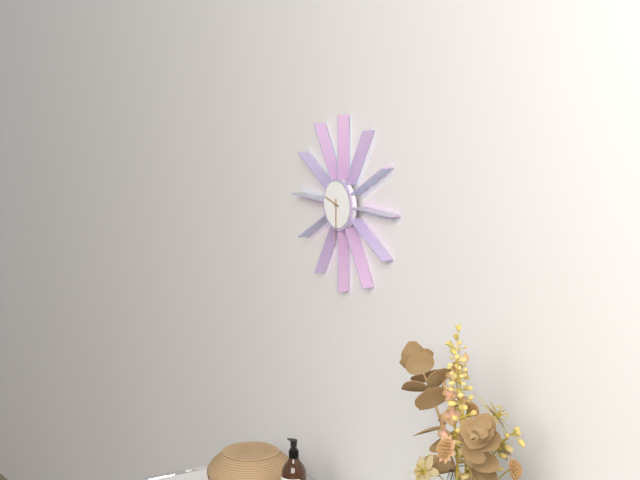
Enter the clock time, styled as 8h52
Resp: 9h30
